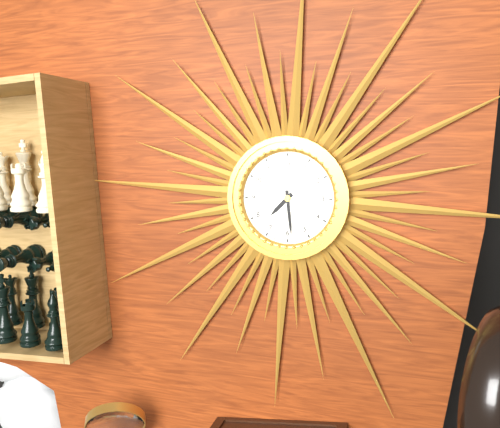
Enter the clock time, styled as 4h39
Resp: 7h29
